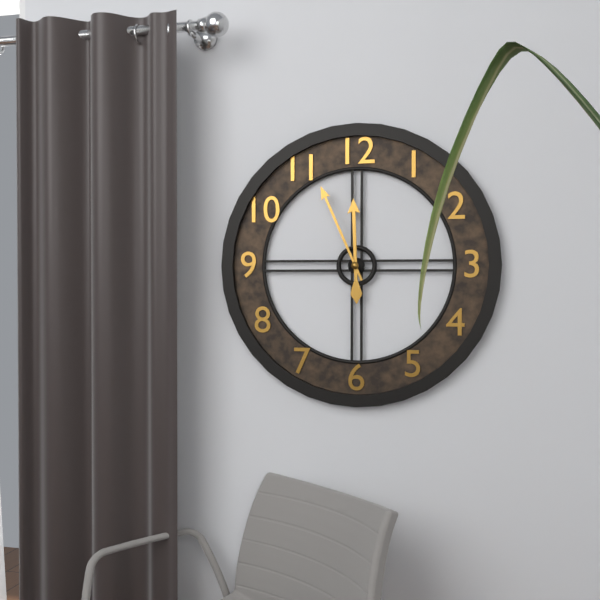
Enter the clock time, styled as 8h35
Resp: 11h56
